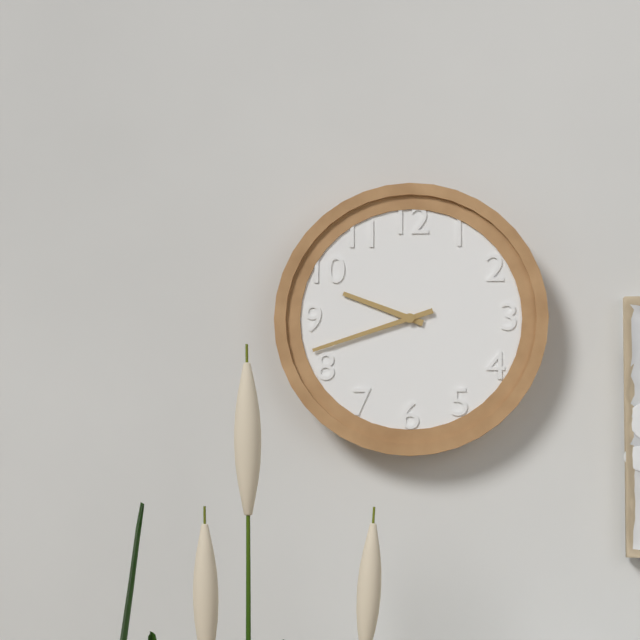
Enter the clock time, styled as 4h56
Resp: 9h42
